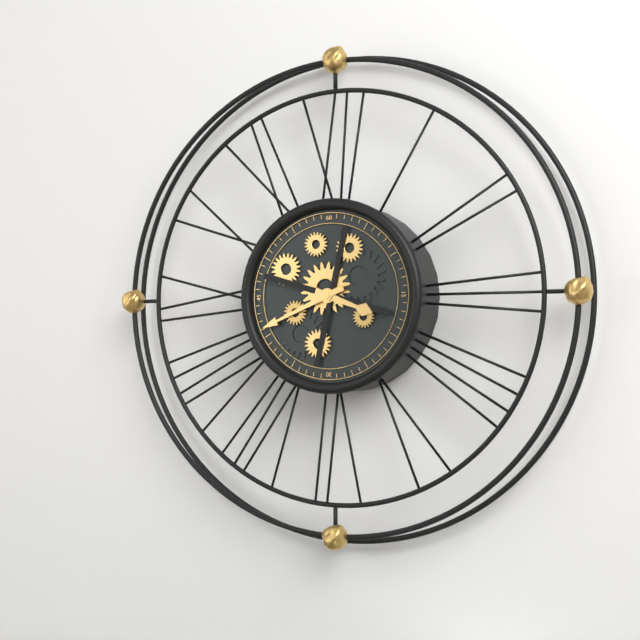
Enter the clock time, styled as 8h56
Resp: 3h41
